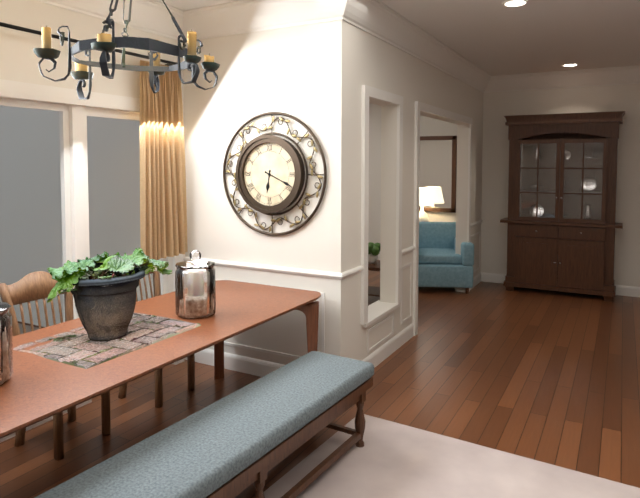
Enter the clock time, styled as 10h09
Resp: 6h19
